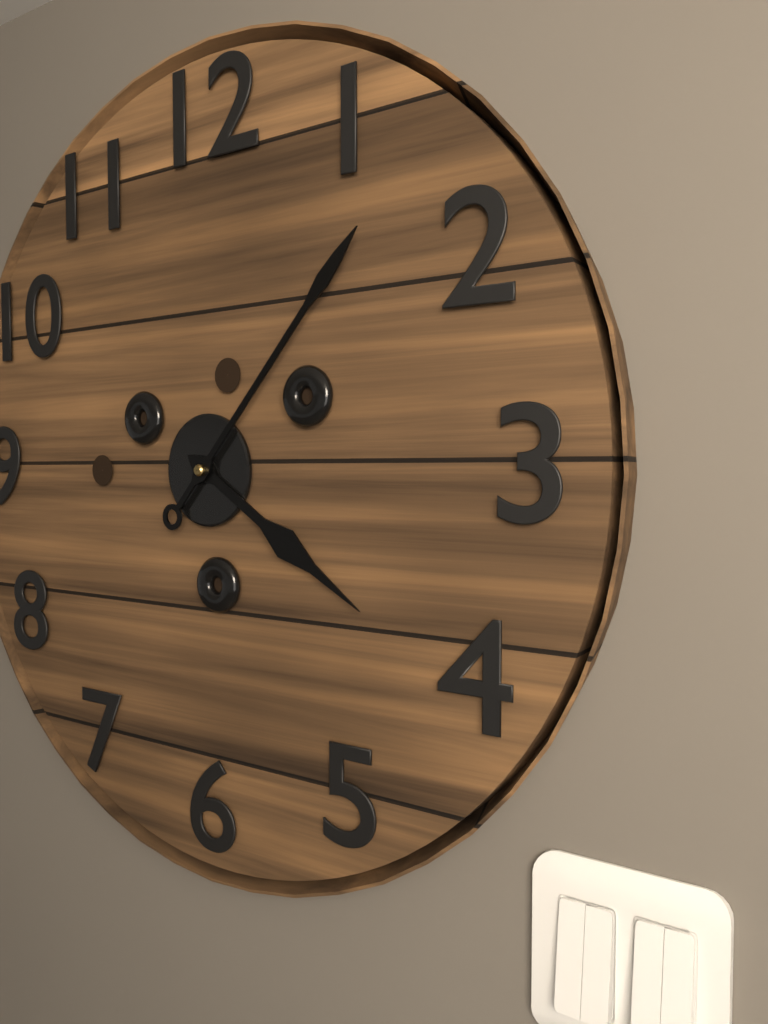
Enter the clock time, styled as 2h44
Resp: 4h07
